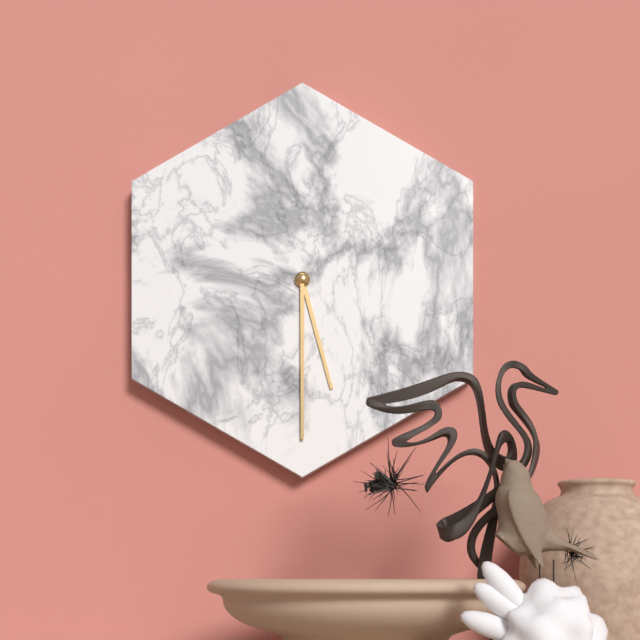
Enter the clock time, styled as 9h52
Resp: 5h30
